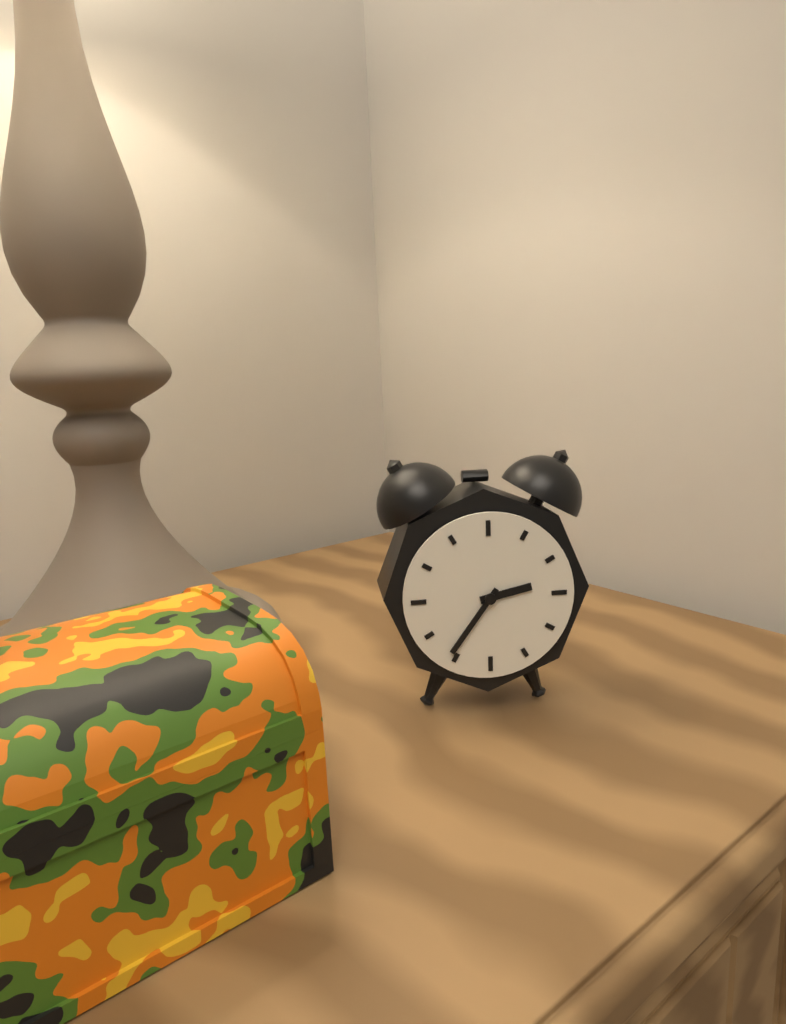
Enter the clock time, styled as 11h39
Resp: 2h36
